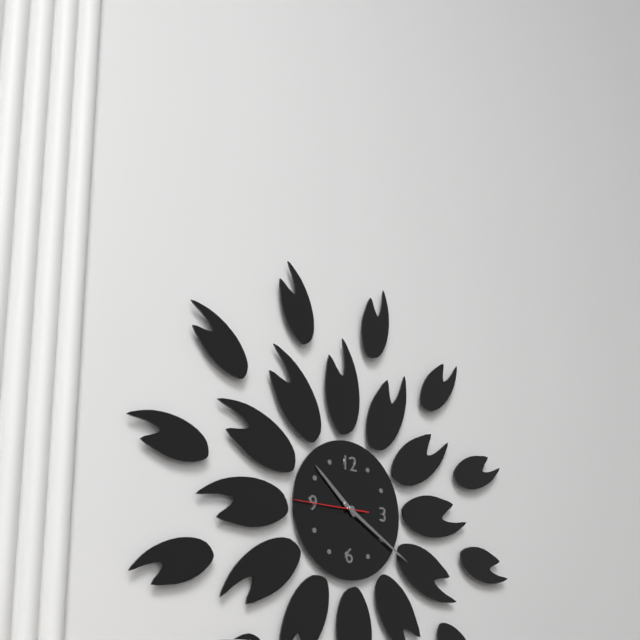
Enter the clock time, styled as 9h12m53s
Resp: 10h20m45s
